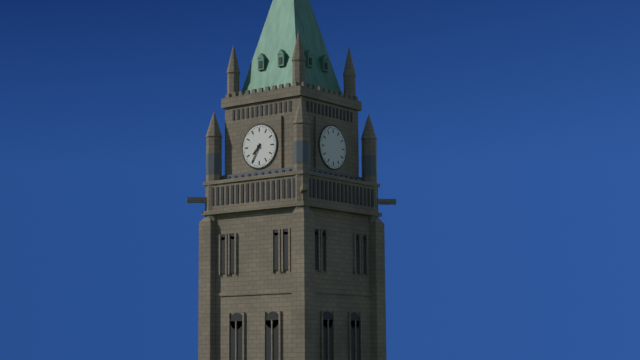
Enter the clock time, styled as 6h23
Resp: 7h35
